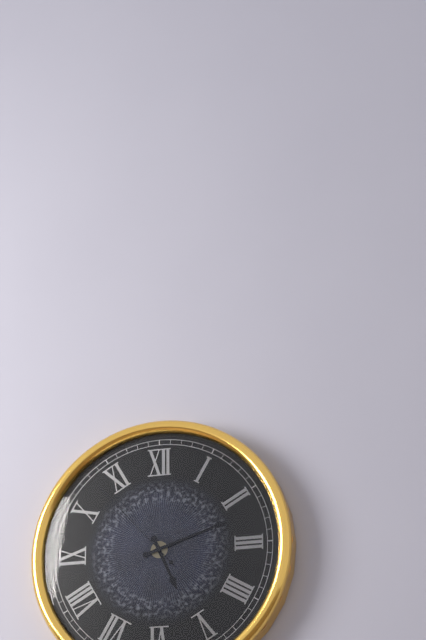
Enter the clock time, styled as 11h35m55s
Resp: 5h12m53s
